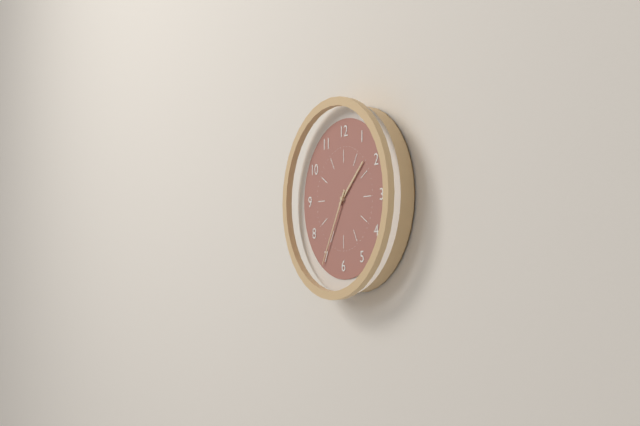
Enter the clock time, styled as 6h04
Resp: 1h35
